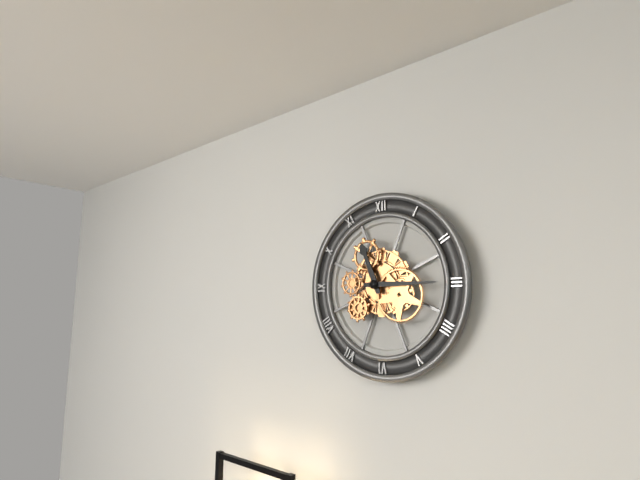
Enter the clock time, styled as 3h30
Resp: 11h15
